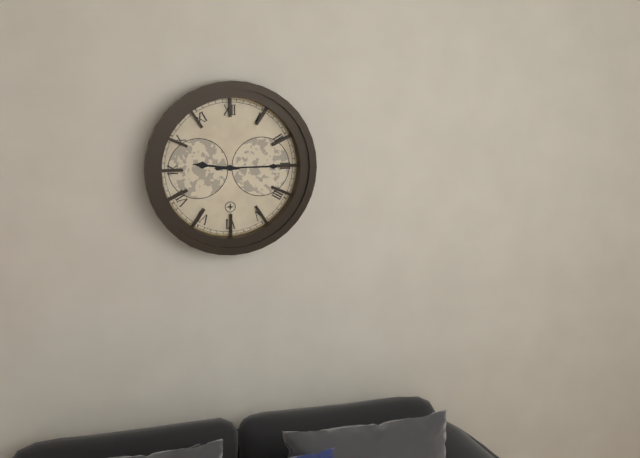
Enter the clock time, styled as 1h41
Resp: 9h15
